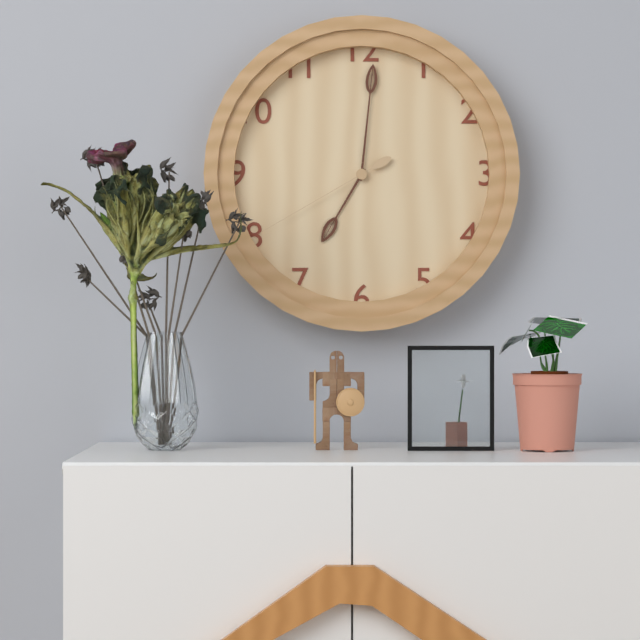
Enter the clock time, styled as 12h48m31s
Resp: 7h01m40s
